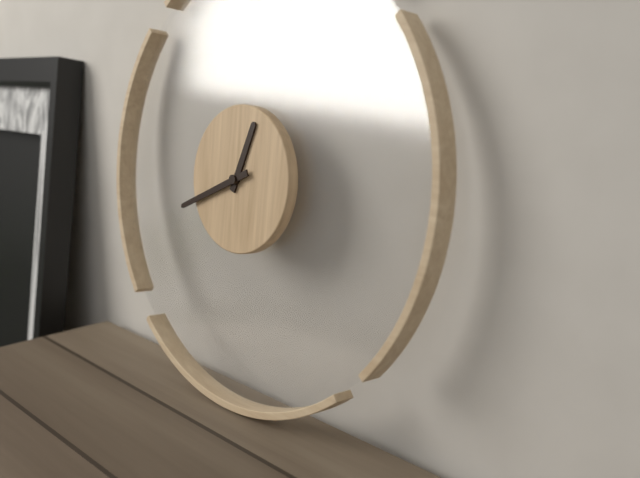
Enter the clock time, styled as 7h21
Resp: 12h41
